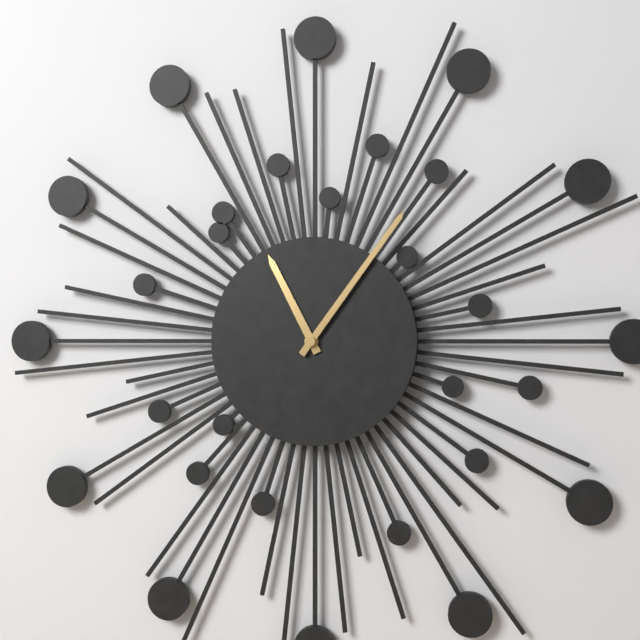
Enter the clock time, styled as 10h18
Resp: 11h06
